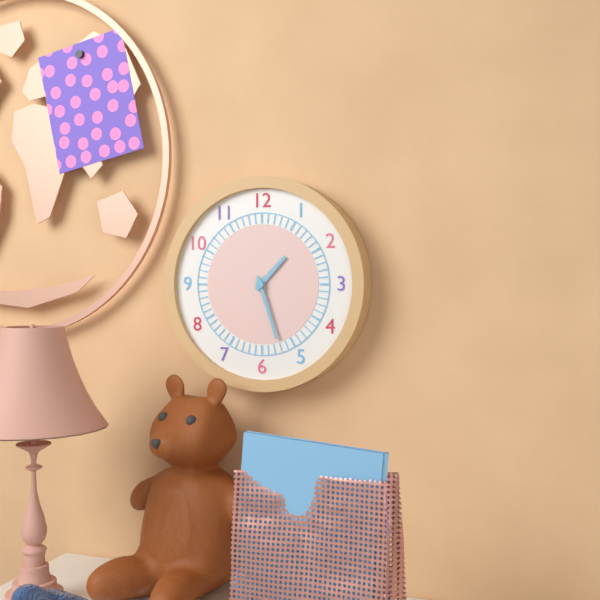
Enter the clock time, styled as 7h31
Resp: 1h27
